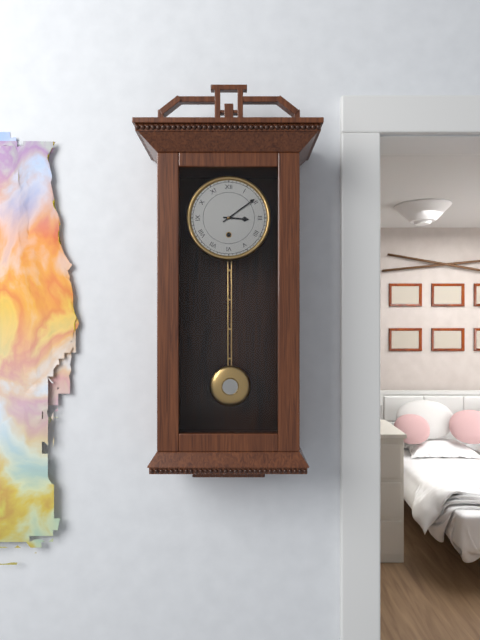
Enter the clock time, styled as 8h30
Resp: 3h09
